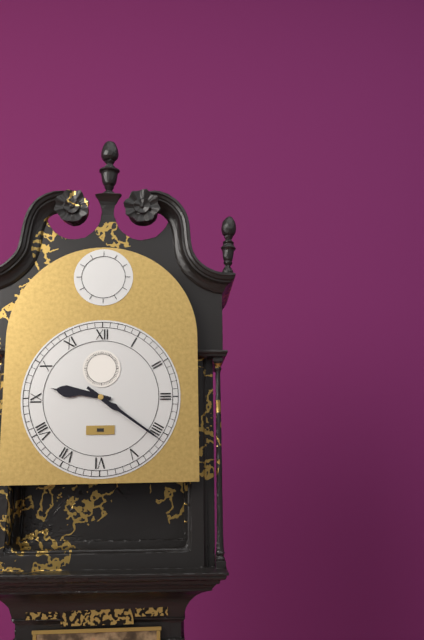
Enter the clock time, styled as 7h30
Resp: 9h21
